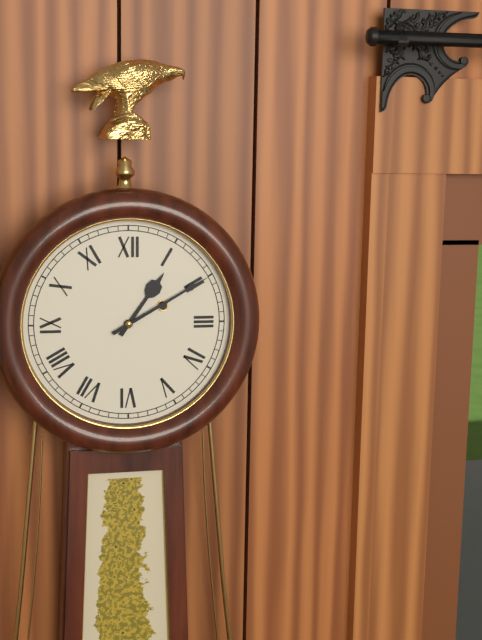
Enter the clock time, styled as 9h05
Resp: 1h10
